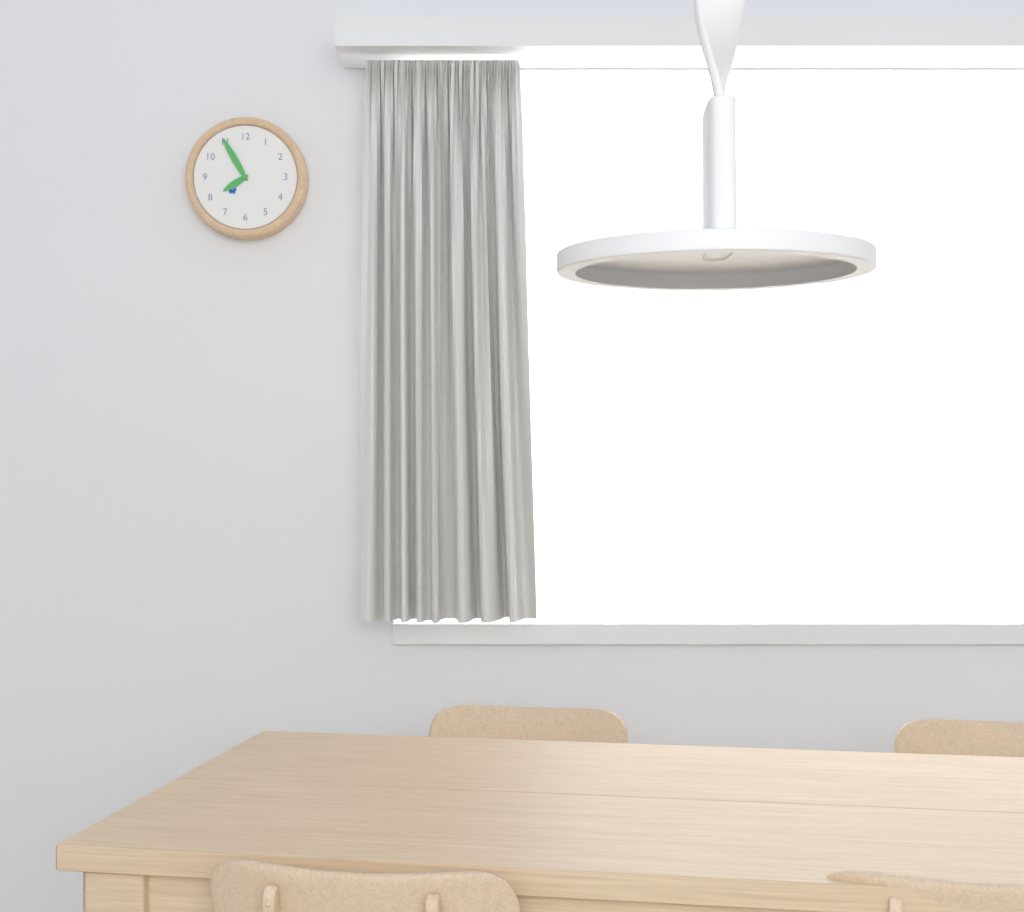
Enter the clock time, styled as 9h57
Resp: 7h55
